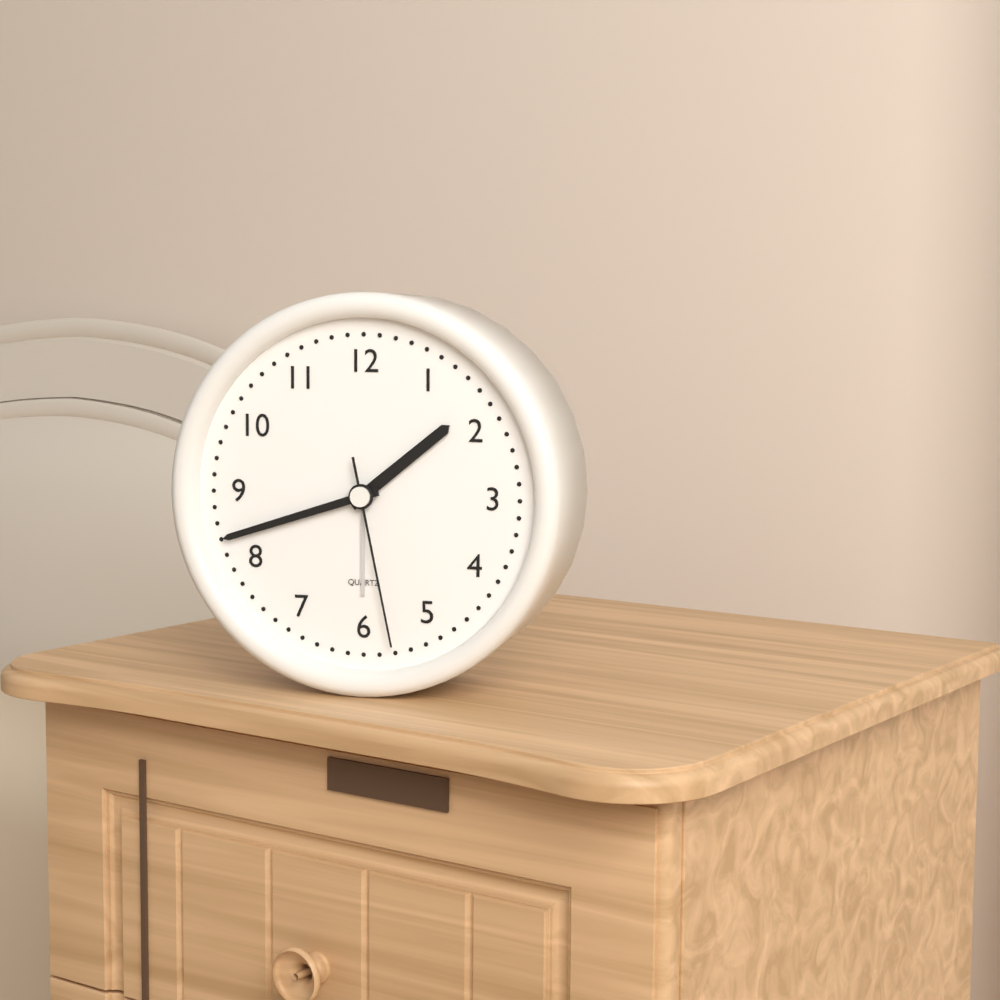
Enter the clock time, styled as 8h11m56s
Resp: 1h42m28s
